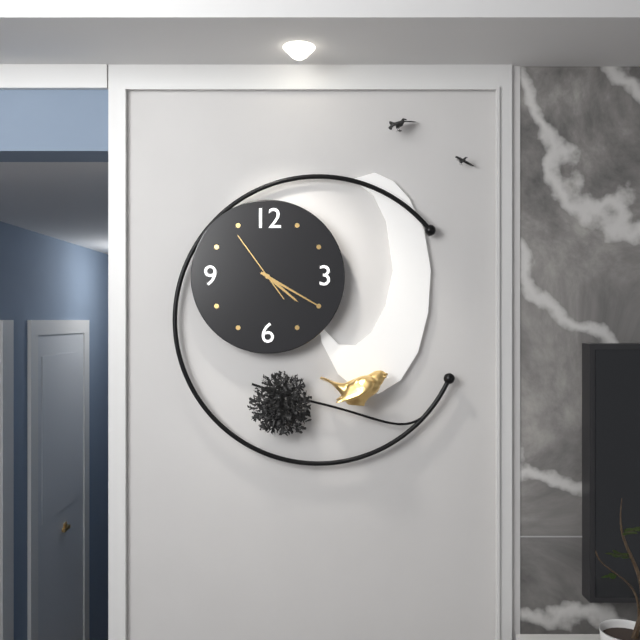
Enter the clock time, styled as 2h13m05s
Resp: 4h20m54s
